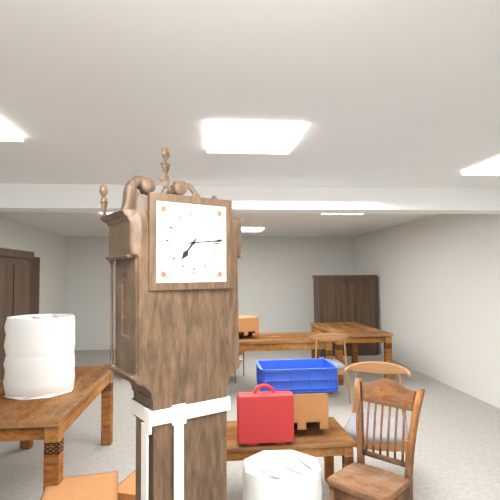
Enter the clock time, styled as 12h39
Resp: 7h14
